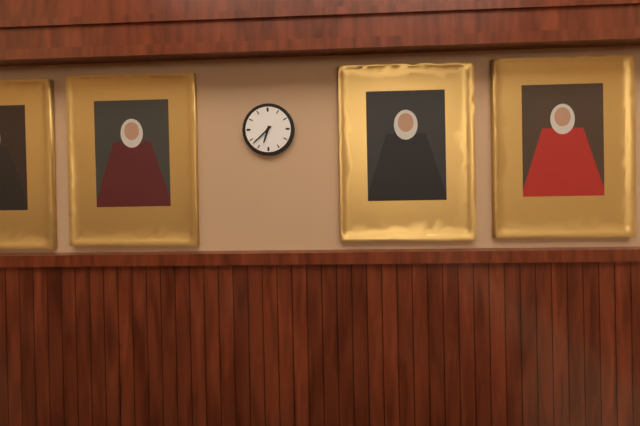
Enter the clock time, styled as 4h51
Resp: 6h38
